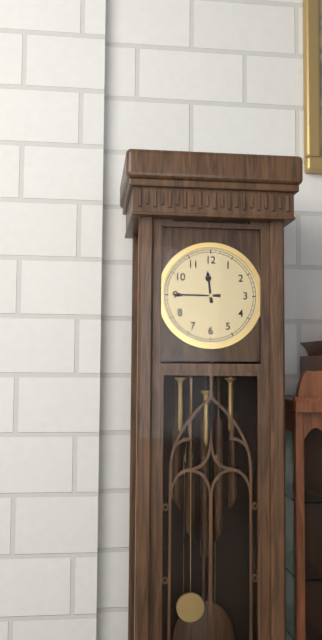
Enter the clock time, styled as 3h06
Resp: 11h45
